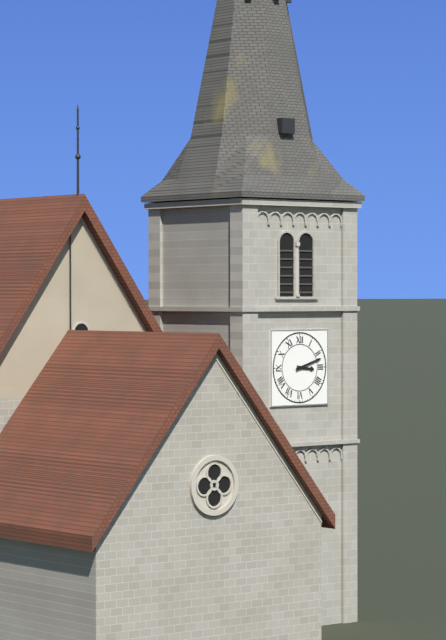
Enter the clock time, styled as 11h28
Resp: 3h12
